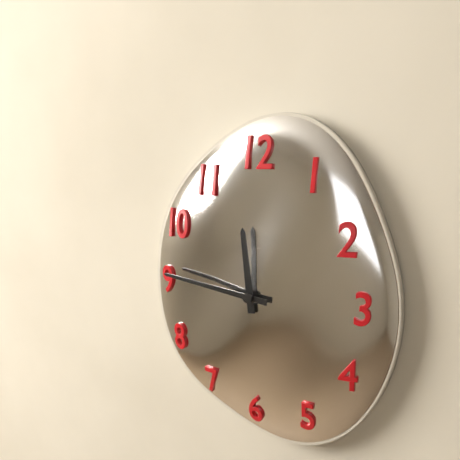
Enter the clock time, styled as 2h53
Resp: 11h46
